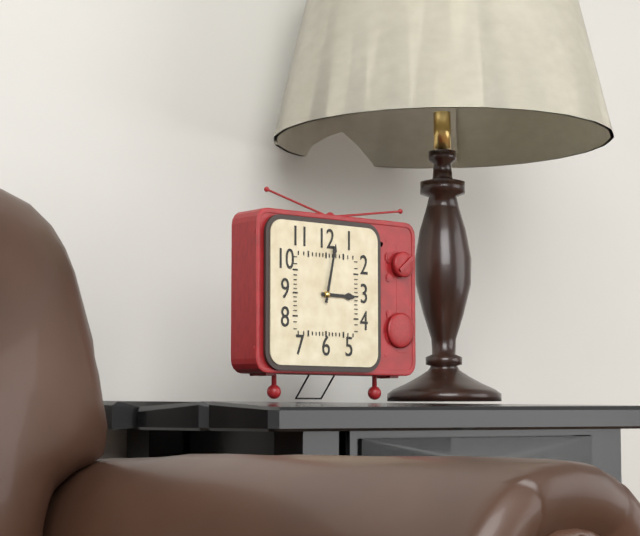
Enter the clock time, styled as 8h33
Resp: 3h02
